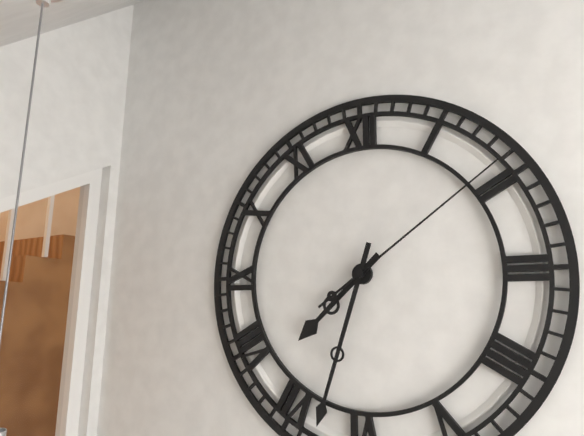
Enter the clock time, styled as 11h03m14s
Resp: 7h33m09s
